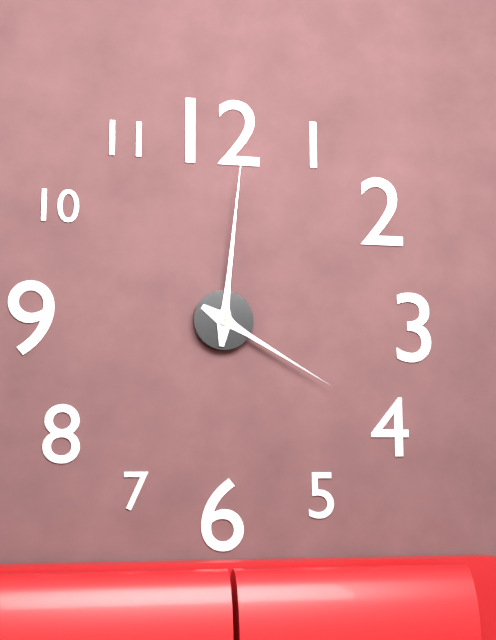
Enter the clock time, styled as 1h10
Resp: 4h01
